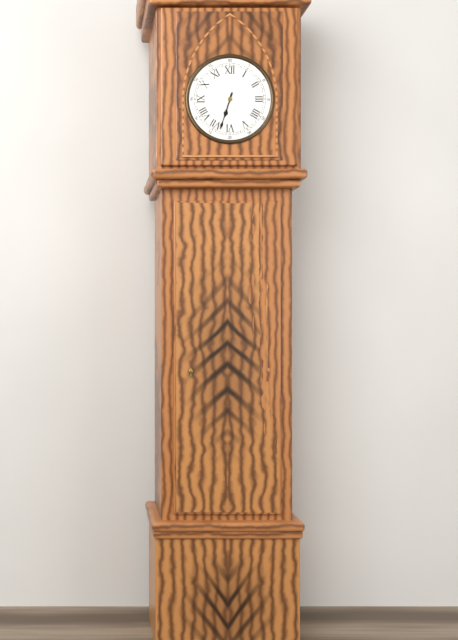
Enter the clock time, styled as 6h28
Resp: 6h33
